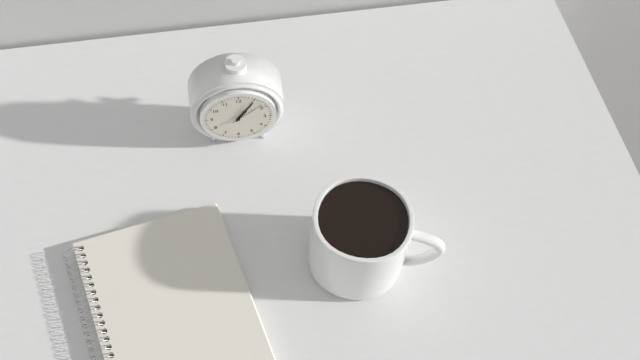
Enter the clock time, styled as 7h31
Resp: 1h05
